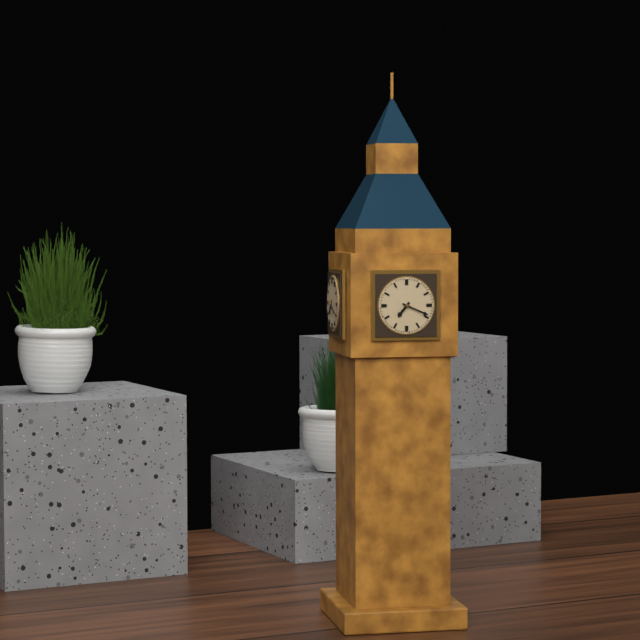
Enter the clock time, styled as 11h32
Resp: 7h19
